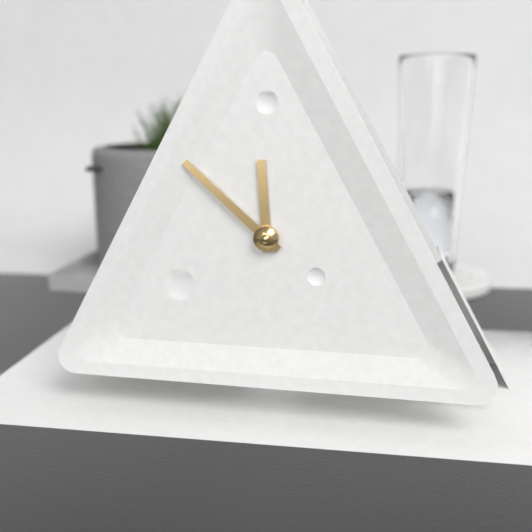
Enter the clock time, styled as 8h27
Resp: 11h52
